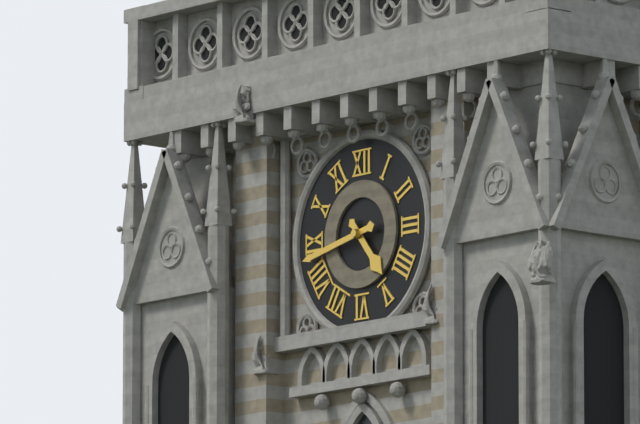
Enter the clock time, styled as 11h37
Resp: 4h43
